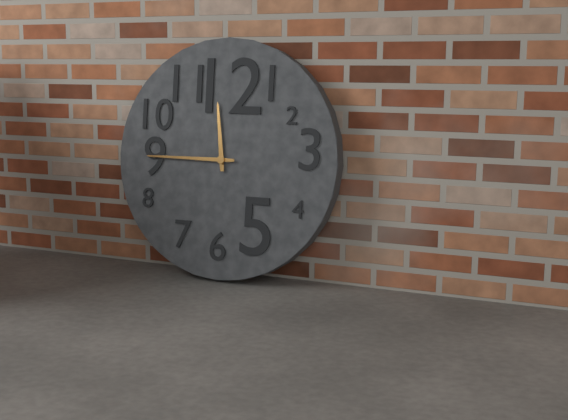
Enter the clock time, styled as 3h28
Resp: 11h45
